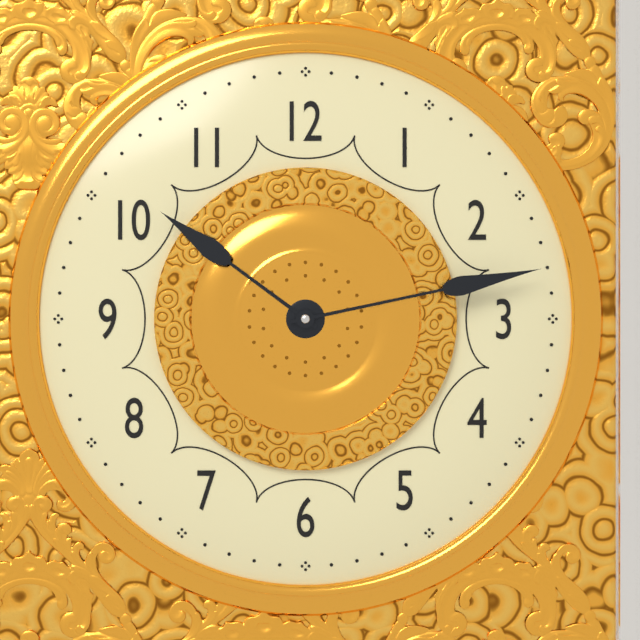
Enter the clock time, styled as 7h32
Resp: 10h13
